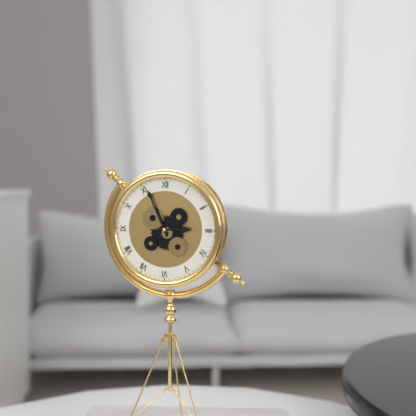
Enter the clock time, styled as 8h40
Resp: 2h56
